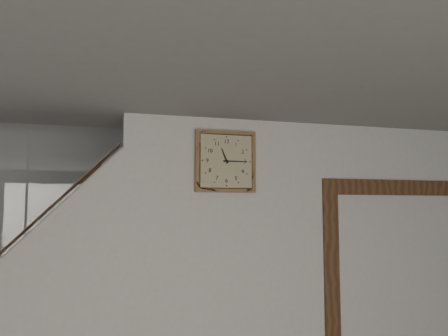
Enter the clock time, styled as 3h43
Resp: 11h15
